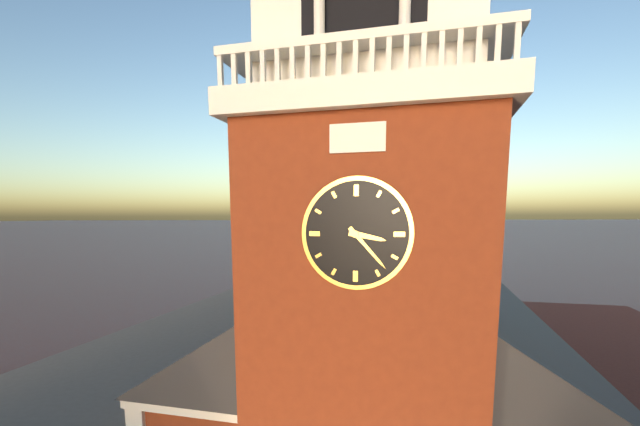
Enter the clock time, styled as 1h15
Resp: 3h23
